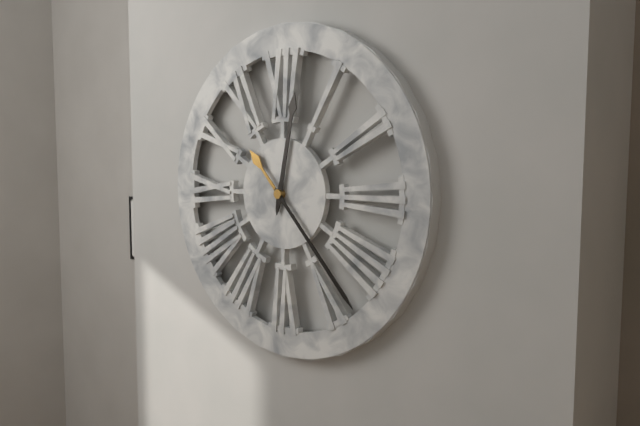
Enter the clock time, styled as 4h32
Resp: 12h23
